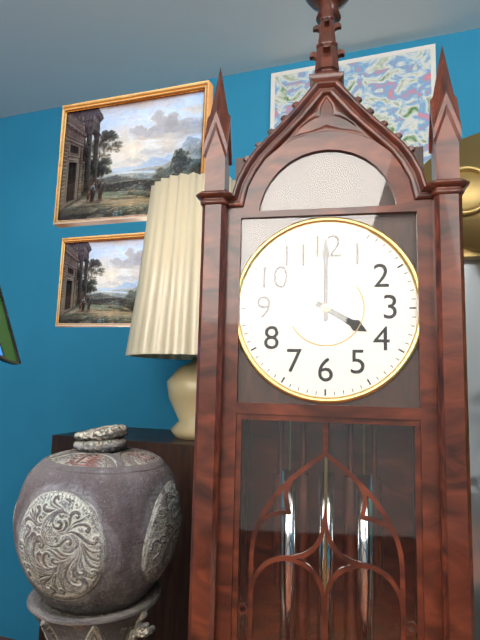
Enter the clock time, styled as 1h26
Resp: 4h00
